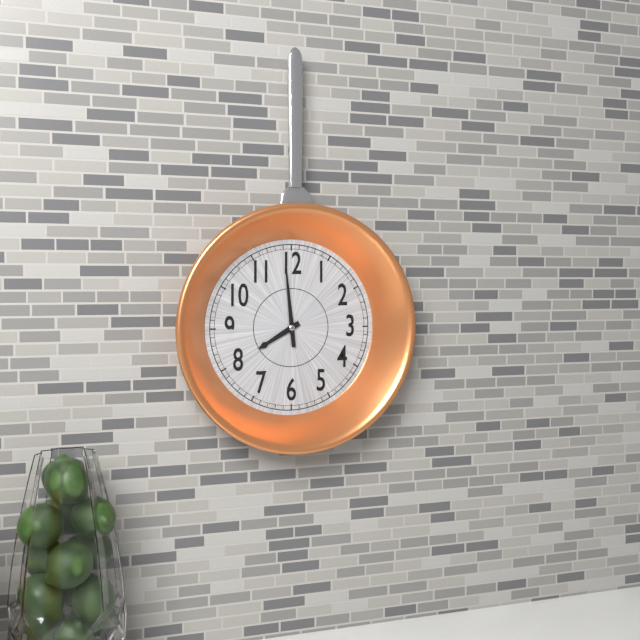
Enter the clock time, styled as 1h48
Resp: 7h59
